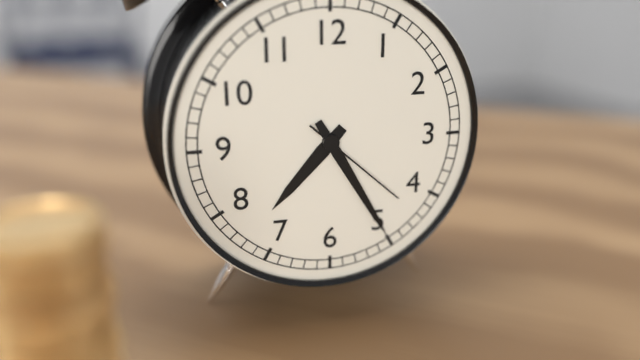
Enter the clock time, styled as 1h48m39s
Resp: 7h25m22s
